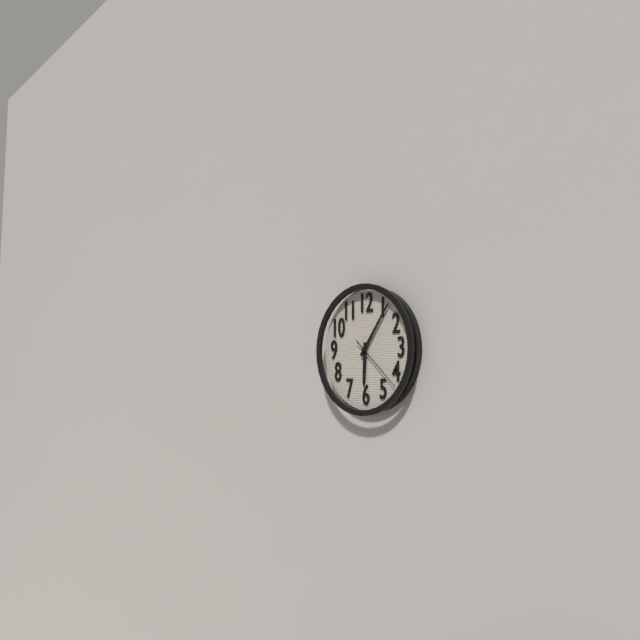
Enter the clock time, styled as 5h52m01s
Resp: 6h06m22s
